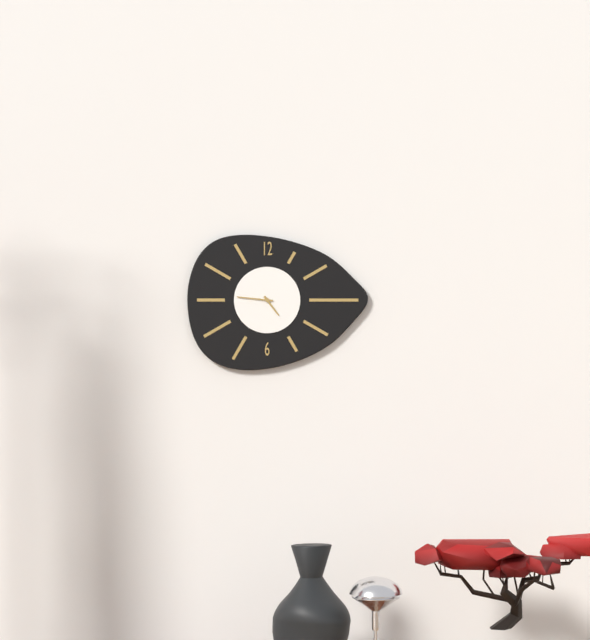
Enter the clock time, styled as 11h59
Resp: 4h46
